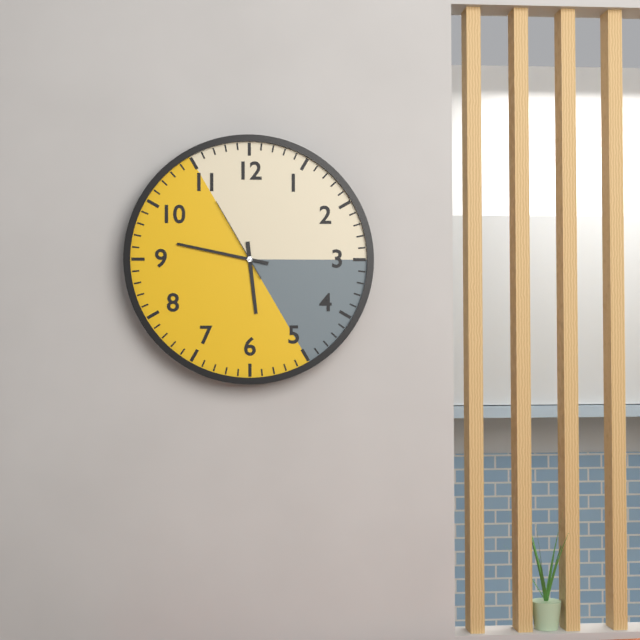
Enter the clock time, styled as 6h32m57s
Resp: 5h47m55s
